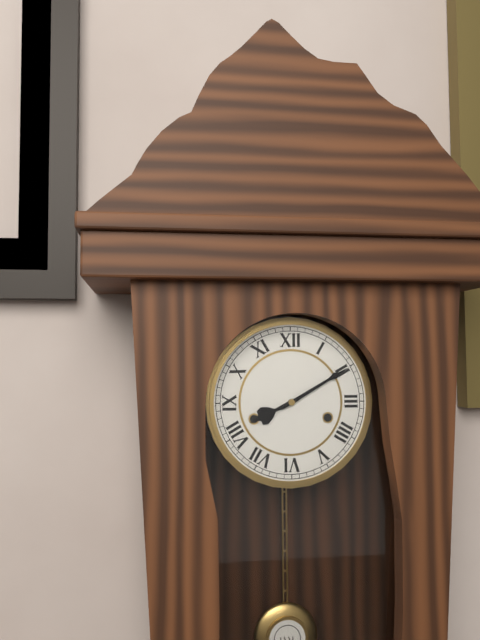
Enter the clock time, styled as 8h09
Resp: 8h10
